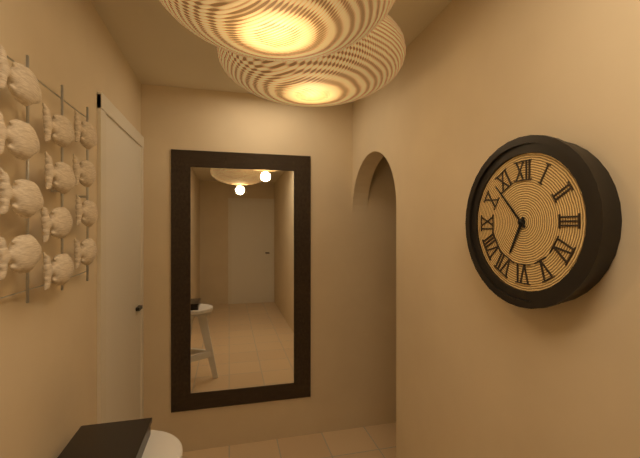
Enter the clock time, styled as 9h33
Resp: 6h53
